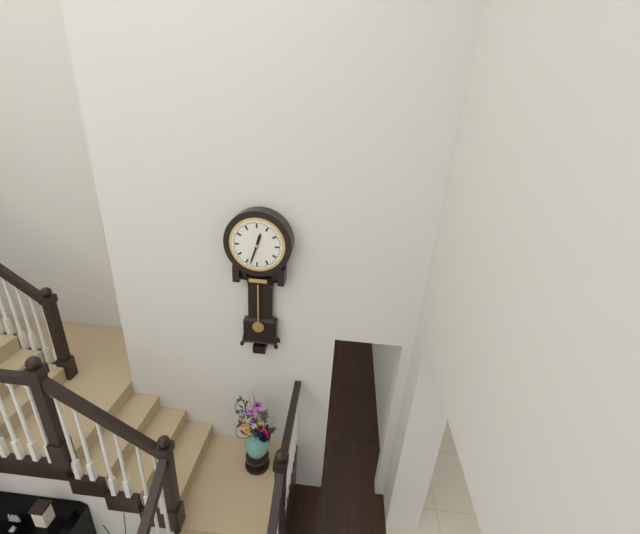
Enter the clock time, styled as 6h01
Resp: 12h33
